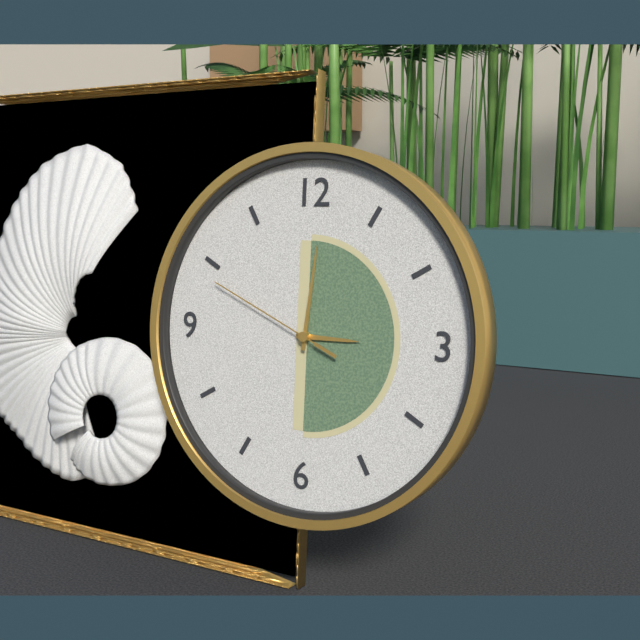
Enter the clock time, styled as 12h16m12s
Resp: 3h01m49s
